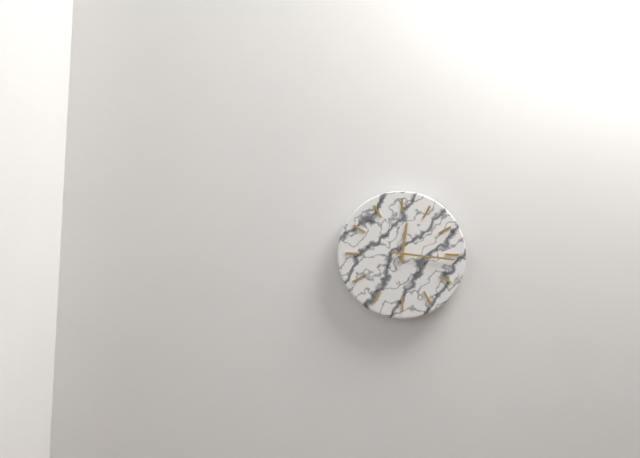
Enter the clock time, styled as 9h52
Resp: 12h16
